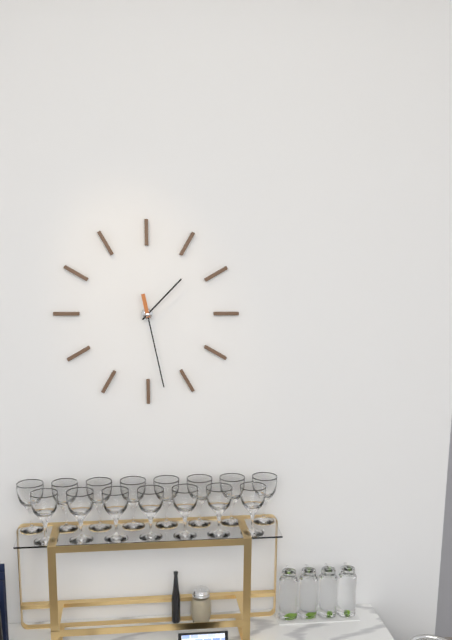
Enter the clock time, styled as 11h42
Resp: 1h28
